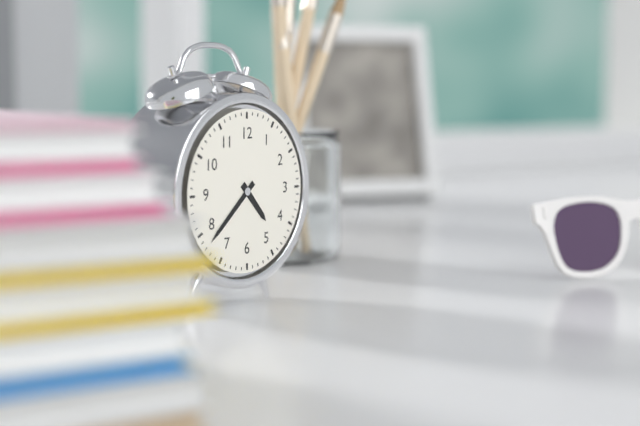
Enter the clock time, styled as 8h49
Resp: 4h38
